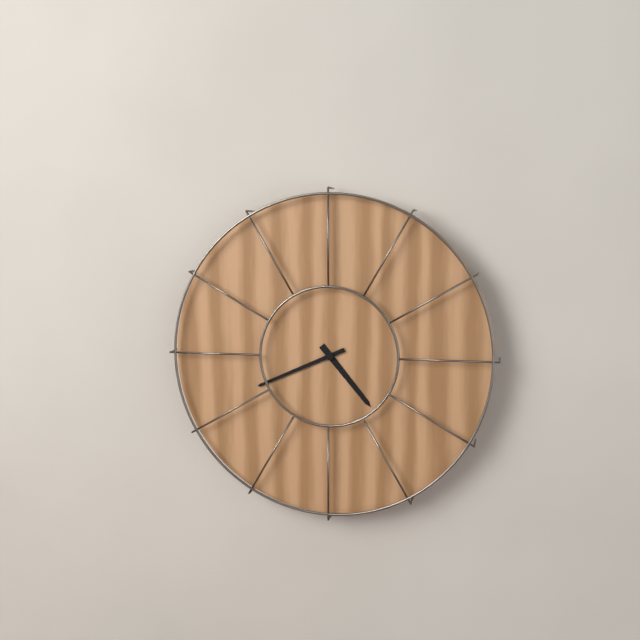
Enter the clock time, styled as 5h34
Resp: 4h41
